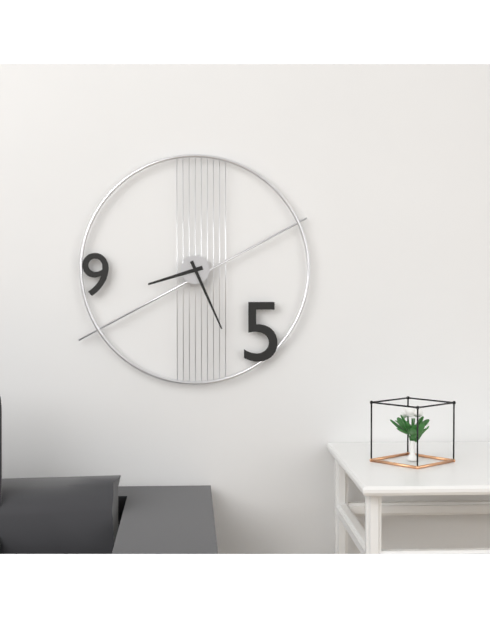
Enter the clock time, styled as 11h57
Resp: 8h26
